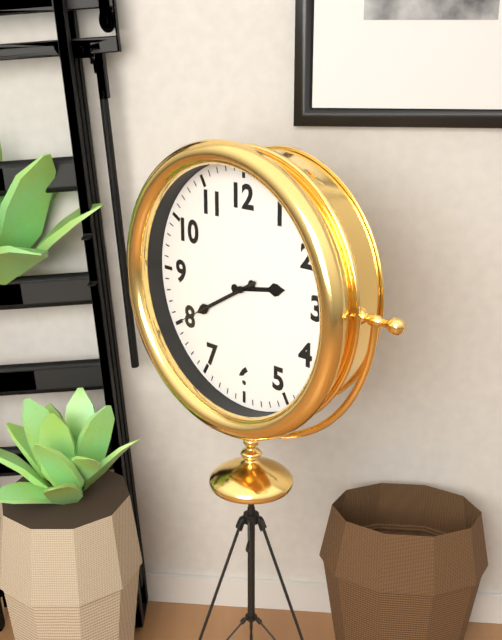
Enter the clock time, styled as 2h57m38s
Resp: 2h40m40s
